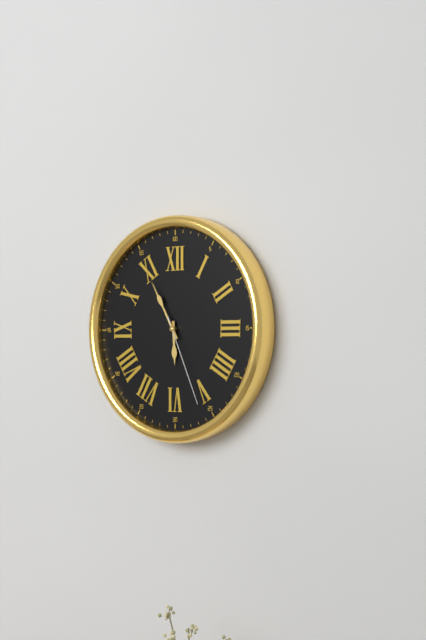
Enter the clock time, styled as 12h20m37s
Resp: 5h55m26s
